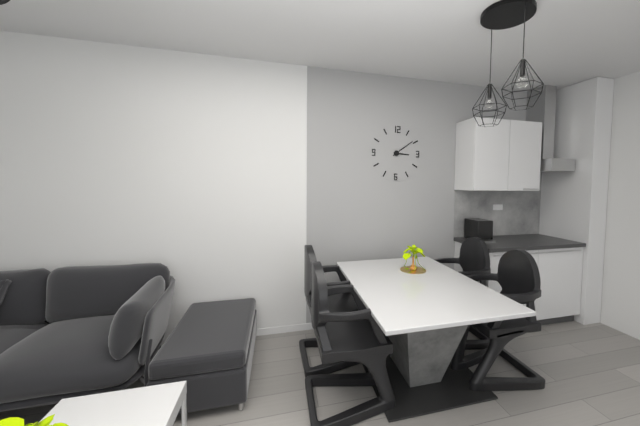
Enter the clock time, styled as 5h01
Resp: 3h09
